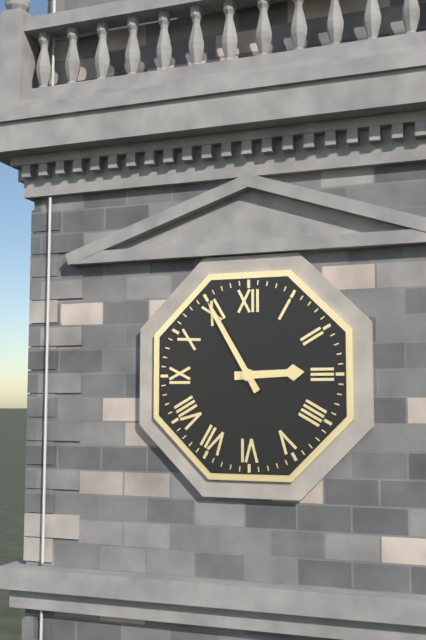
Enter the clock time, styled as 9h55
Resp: 2h55
